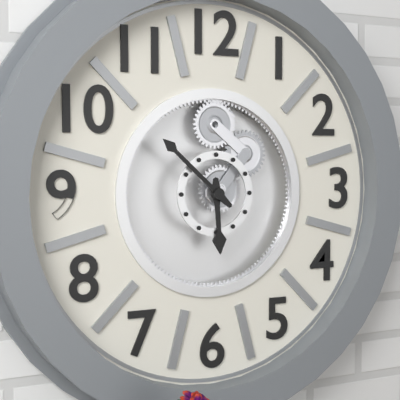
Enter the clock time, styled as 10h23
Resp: 5h52
